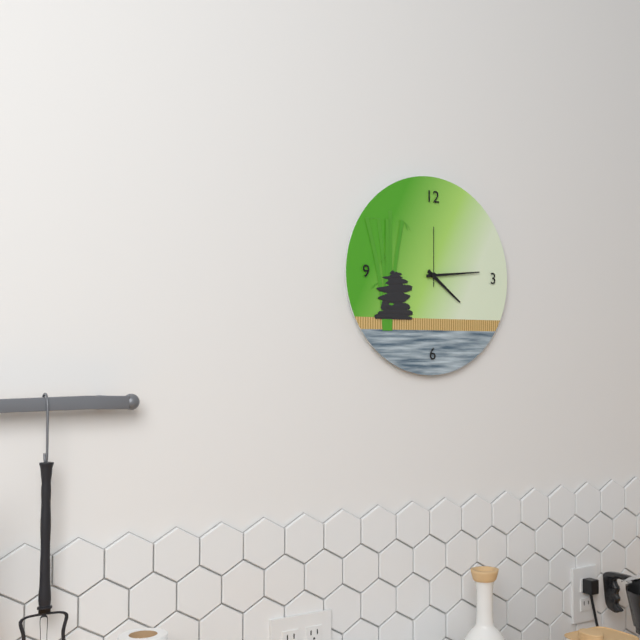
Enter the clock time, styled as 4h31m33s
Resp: 4h14m00s
